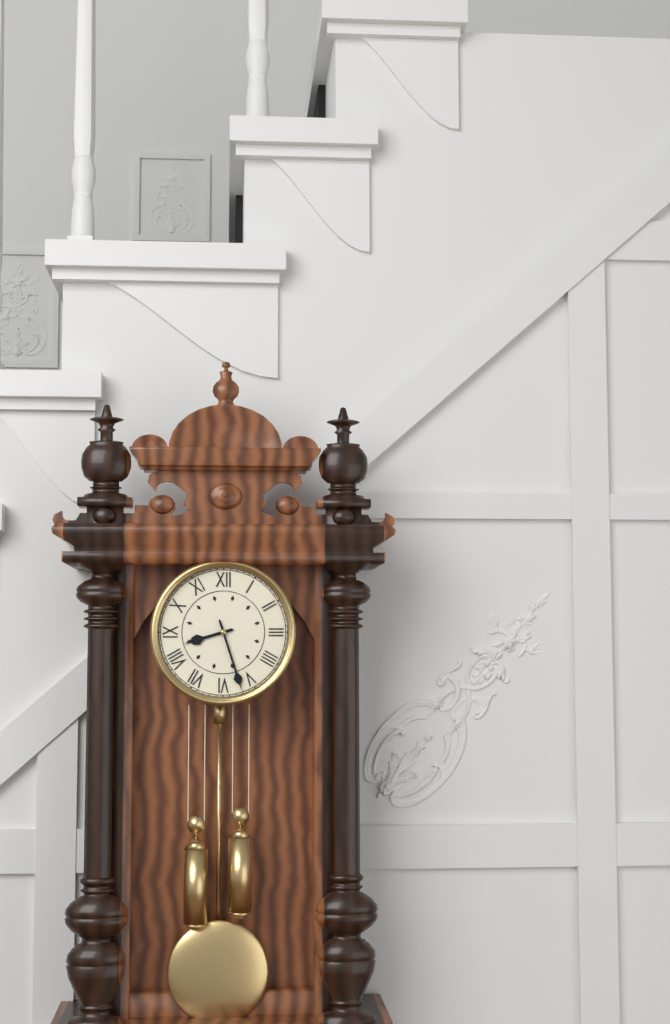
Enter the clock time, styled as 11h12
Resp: 8h27
